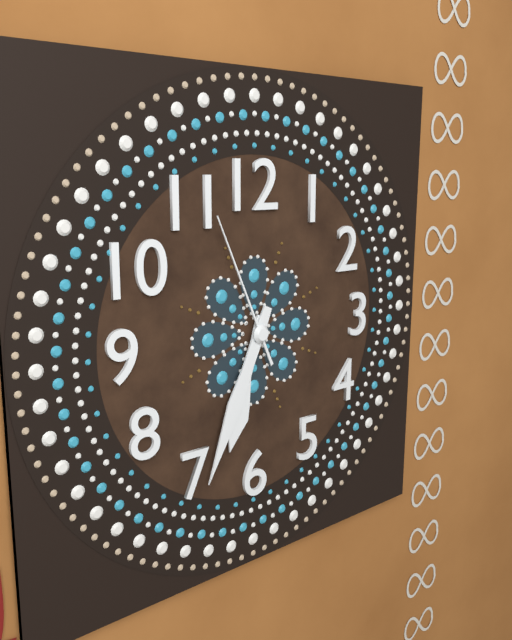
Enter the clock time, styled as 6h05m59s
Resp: 6h34m56s
